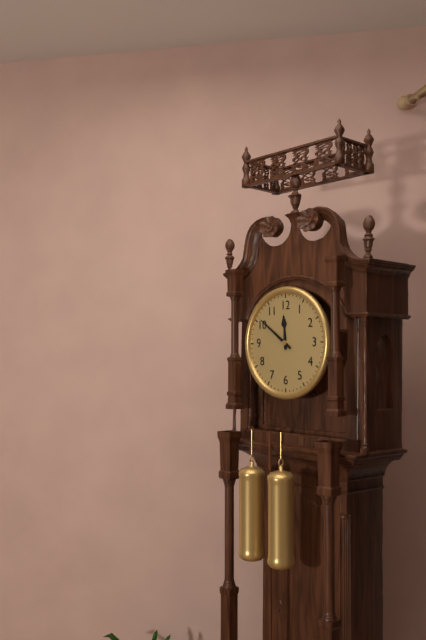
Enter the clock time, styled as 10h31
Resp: 11h51
